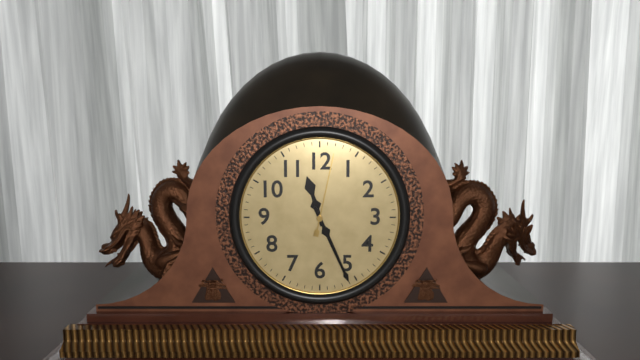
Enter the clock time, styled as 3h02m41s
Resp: 11h26m02s
